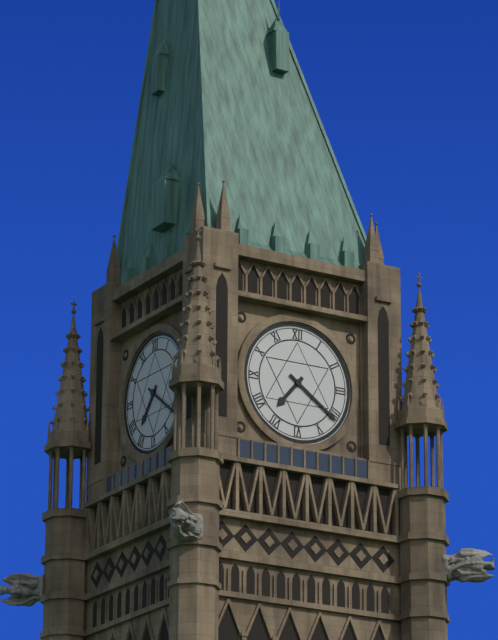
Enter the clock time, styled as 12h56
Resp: 7h21
